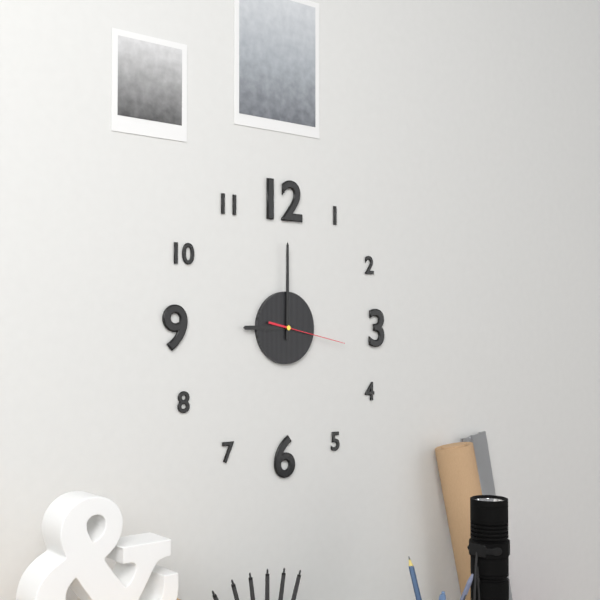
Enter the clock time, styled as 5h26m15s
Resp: 9h00m17s
